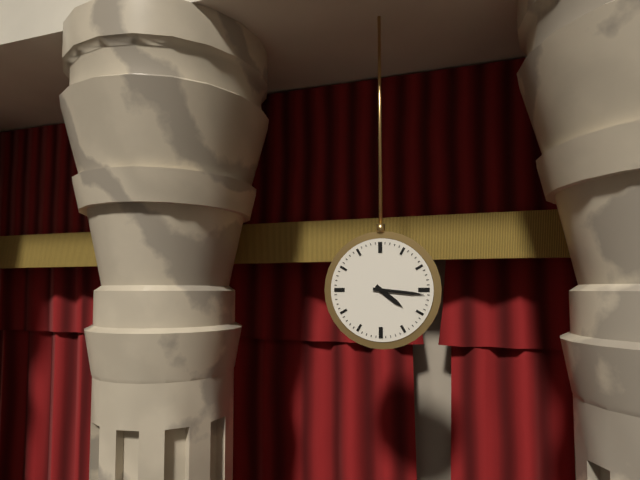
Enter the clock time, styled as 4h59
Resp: 4h16
